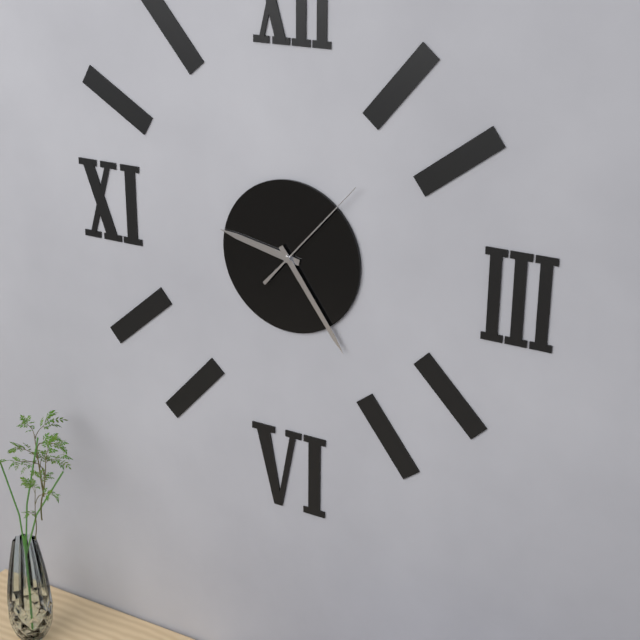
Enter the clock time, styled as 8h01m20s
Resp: 9h24m07s
